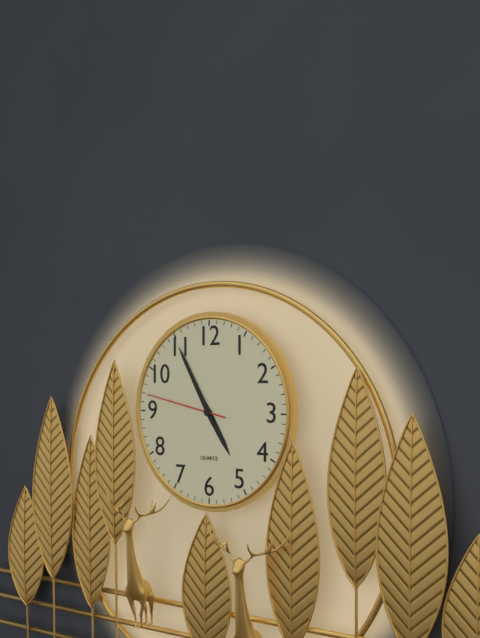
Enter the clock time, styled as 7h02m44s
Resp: 4h55m47s
